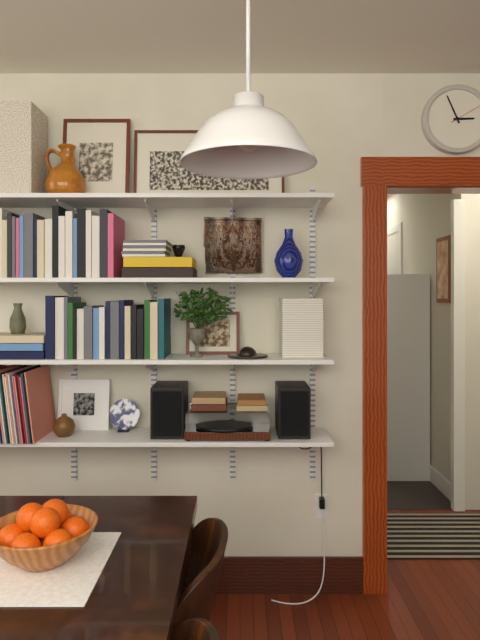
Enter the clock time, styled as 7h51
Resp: 2h56
